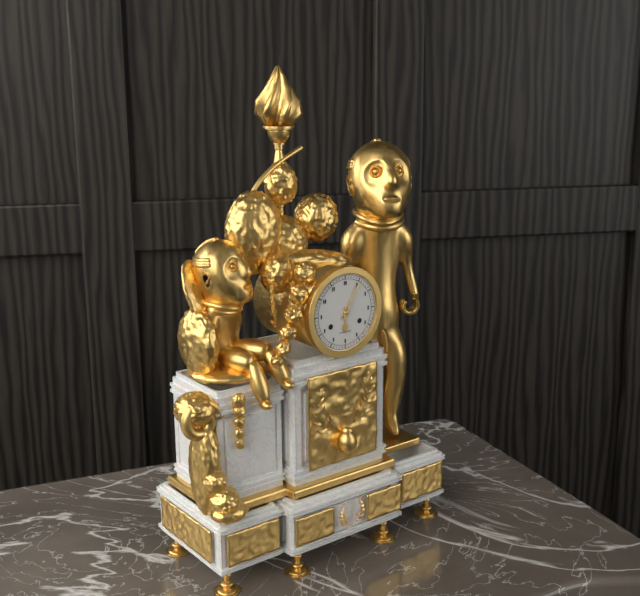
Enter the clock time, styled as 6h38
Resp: 6h05
